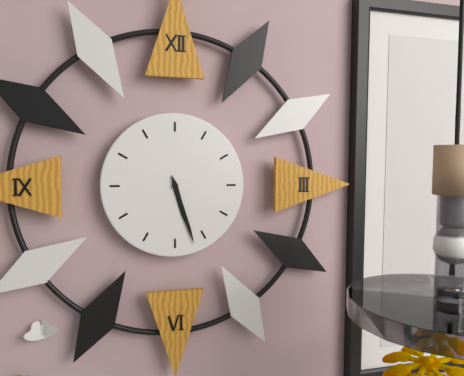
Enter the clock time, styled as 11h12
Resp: 5h27
